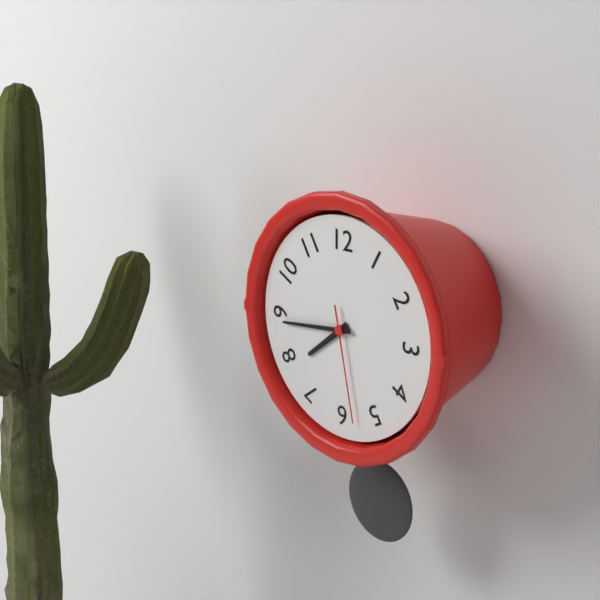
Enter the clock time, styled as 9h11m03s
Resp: 7h44m28s
